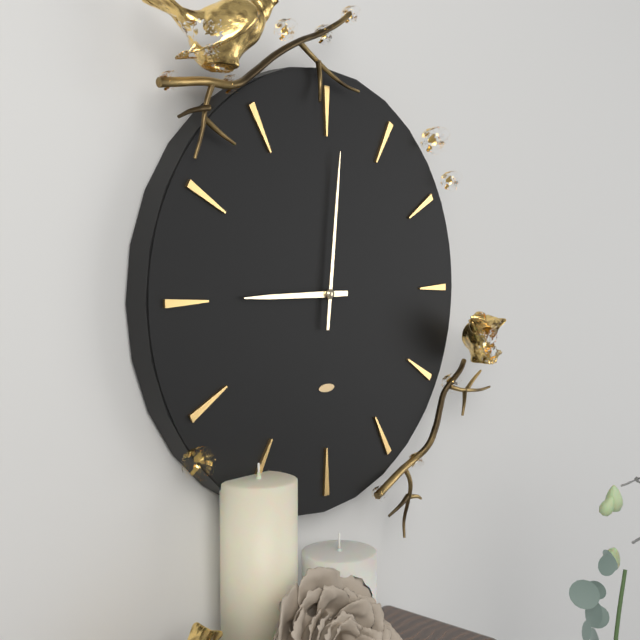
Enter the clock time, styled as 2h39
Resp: 9h01
